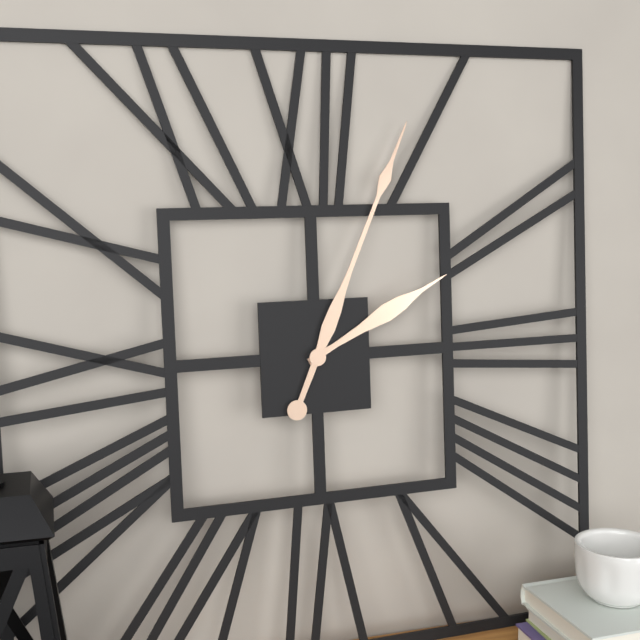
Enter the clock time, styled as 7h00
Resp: 2h04
